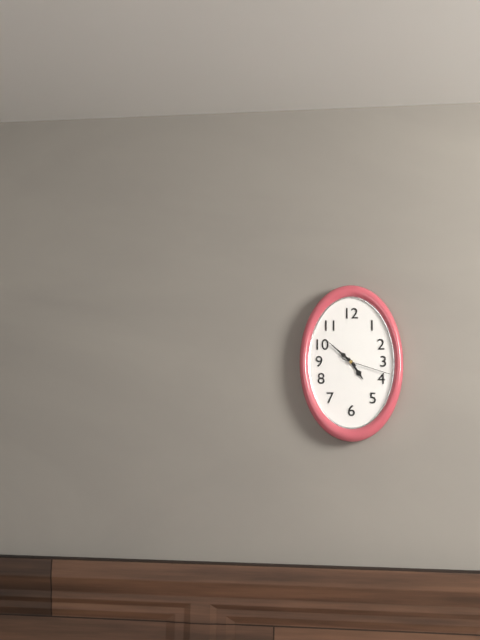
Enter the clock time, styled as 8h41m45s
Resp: 4h52m18s
